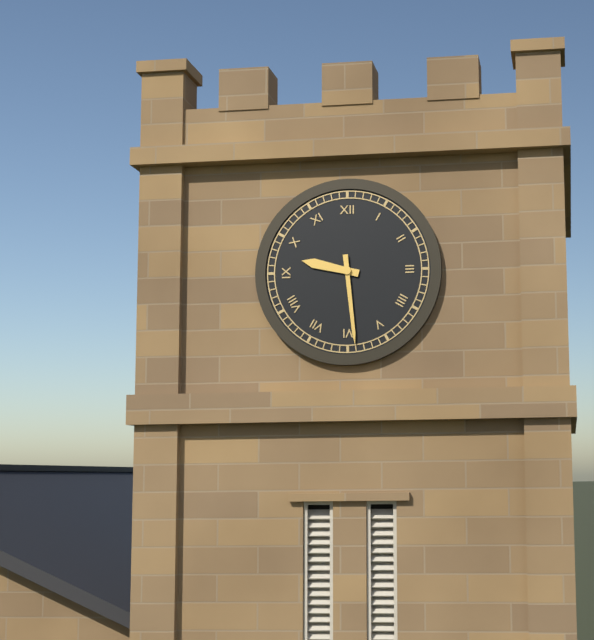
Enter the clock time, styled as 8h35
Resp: 9h29
